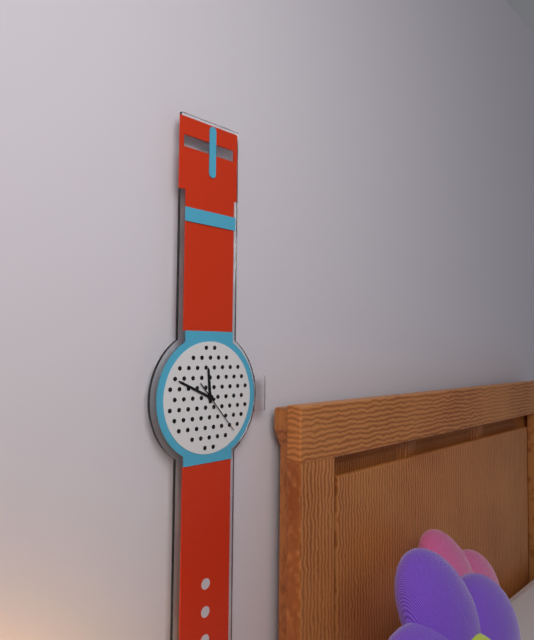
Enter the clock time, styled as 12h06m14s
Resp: 11h49m23s
